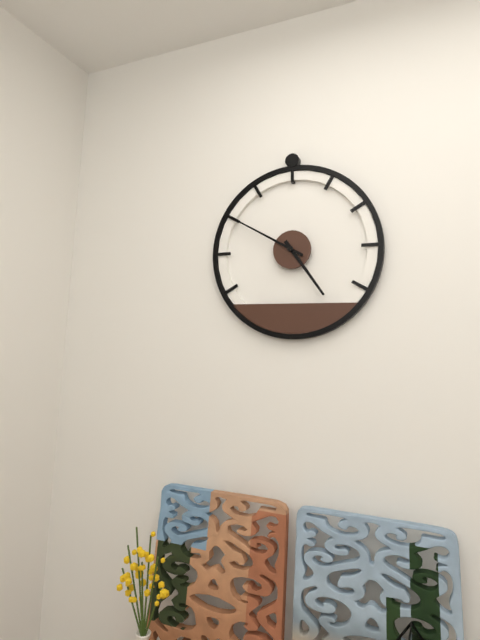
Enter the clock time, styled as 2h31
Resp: 4h50
